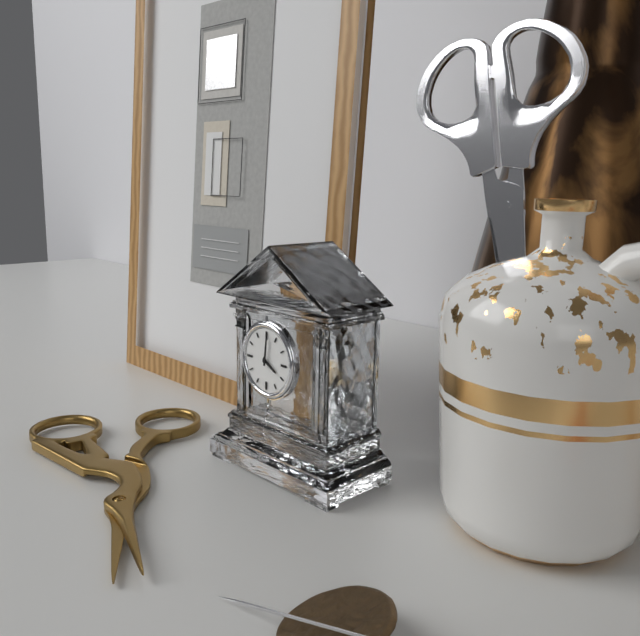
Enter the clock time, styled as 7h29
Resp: 4h01
